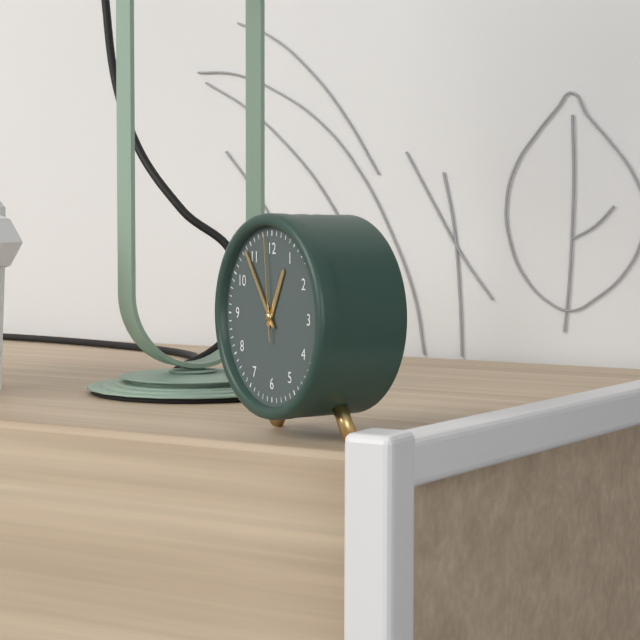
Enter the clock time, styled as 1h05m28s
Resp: 12h54m59s
